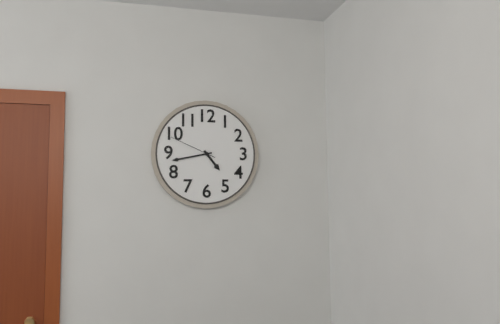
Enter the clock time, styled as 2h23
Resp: 4h43
